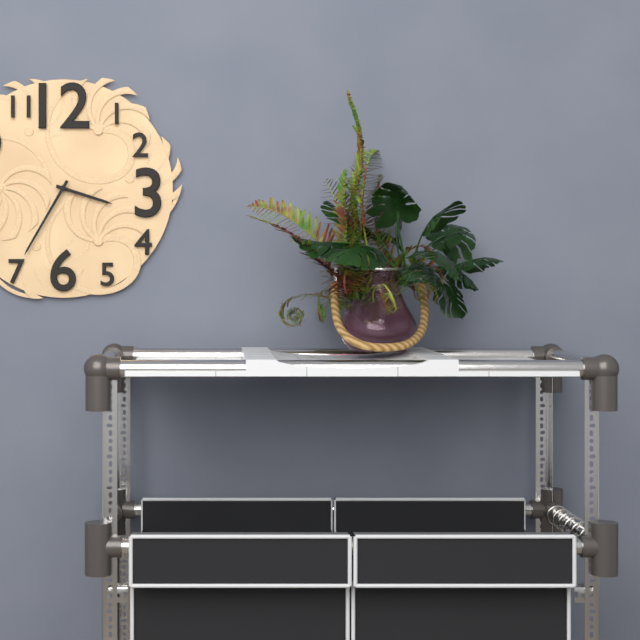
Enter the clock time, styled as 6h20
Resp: 3h35
